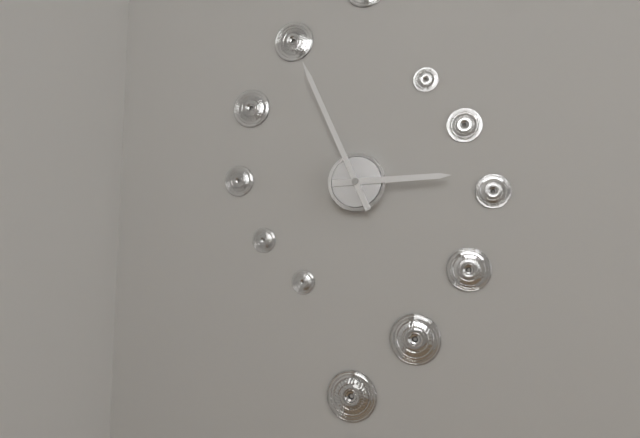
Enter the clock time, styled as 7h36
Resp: 2h56
